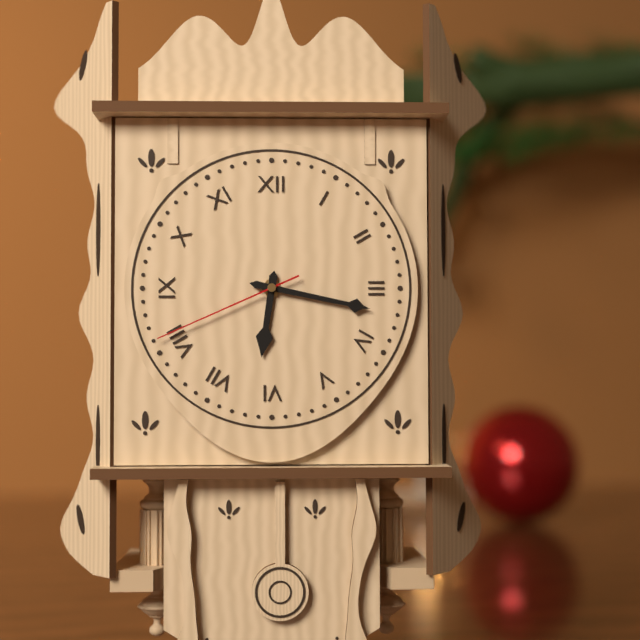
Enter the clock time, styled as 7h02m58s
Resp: 6h17m41s
